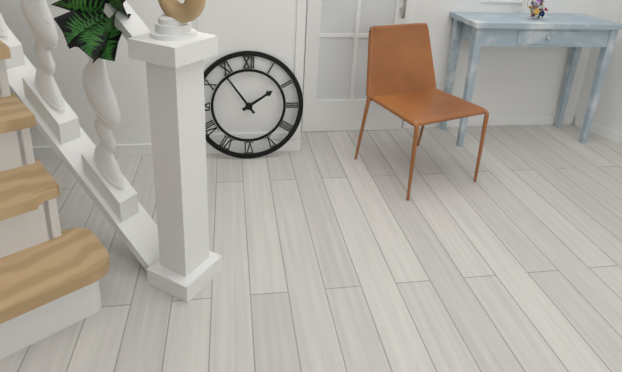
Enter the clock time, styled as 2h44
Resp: 1h54
